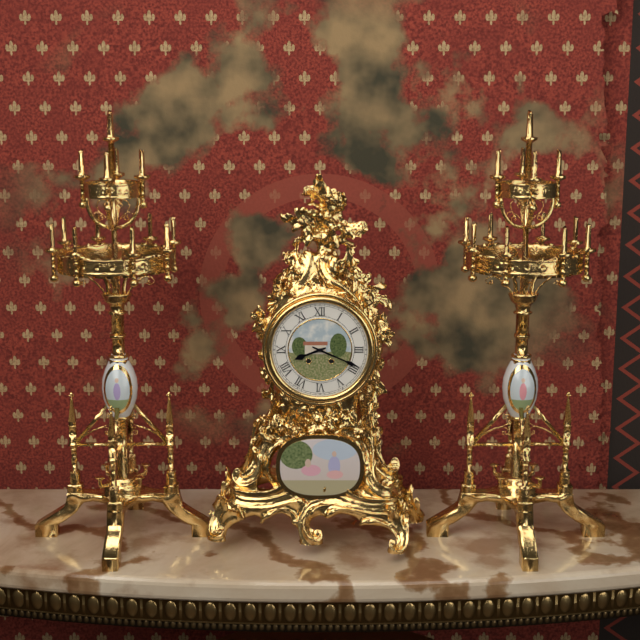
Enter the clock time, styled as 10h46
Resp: 8h19
